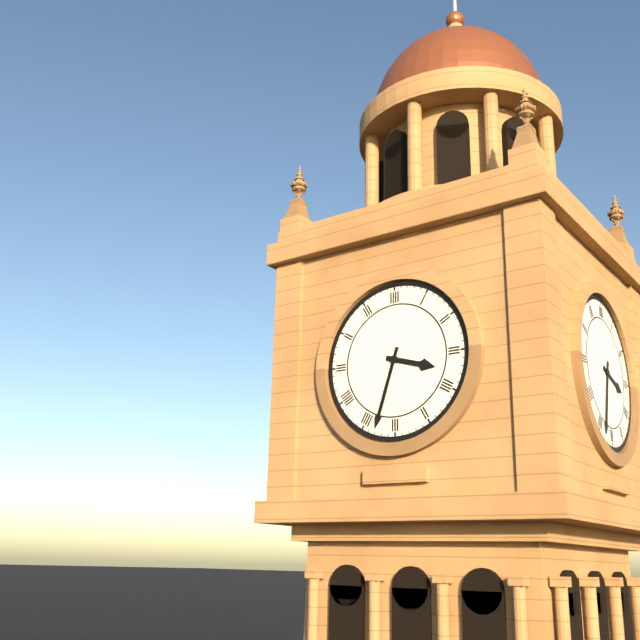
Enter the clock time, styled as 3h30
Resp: 3h33
